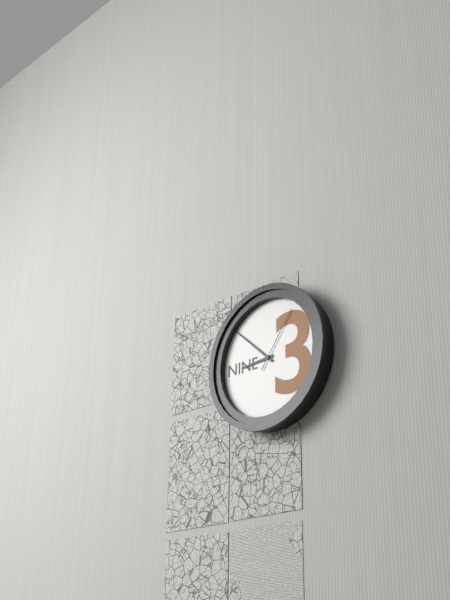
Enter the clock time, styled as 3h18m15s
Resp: 8h52m06s
